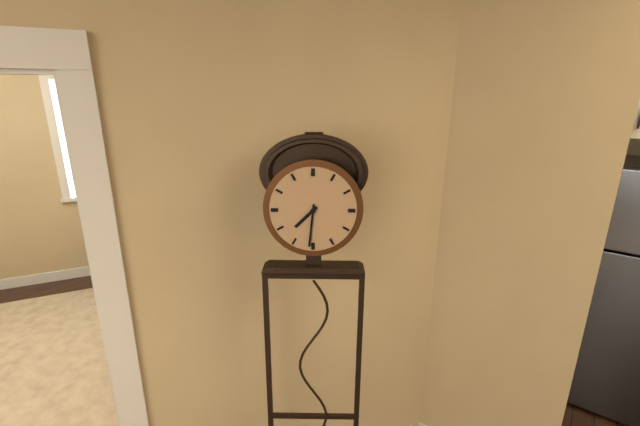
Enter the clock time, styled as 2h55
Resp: 7h31
